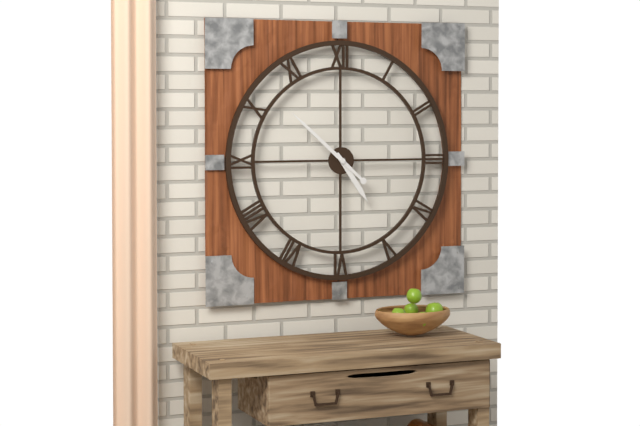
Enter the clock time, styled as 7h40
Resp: 4h52
